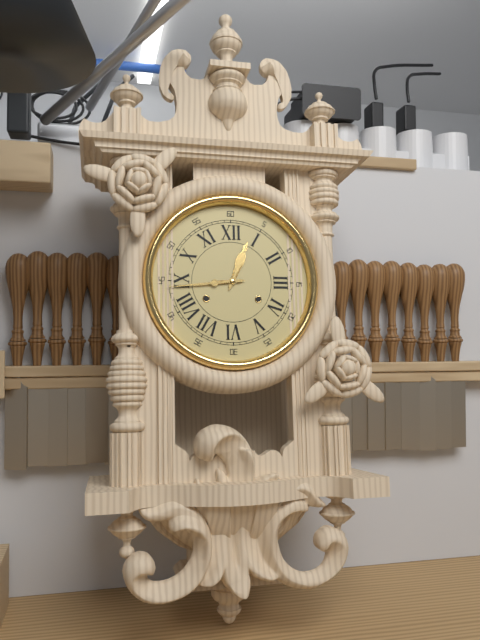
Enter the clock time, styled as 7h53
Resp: 12h44
